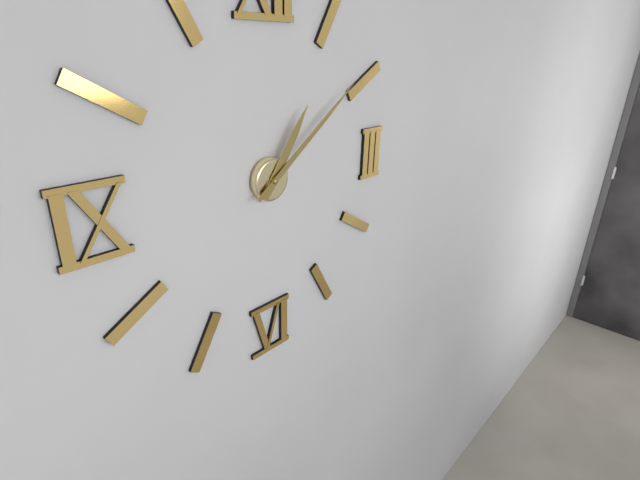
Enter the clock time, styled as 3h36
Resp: 1h09
